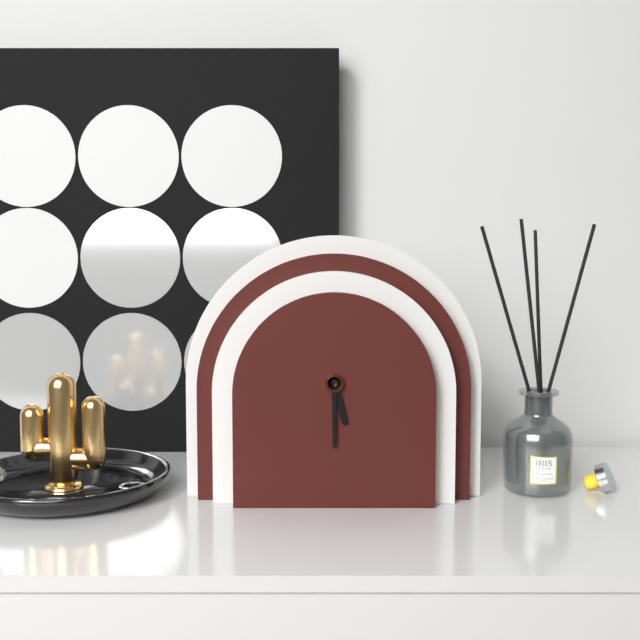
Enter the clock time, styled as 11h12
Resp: 5h30
